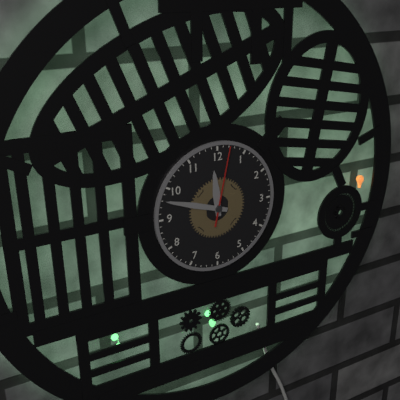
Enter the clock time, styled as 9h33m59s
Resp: 11h48m02s
